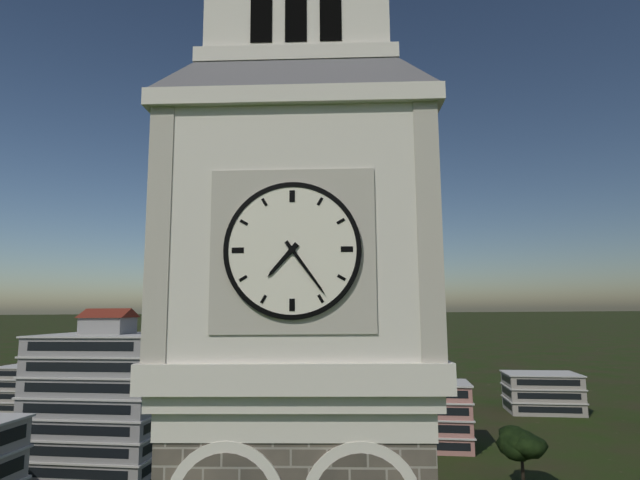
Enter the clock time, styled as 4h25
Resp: 7h24
